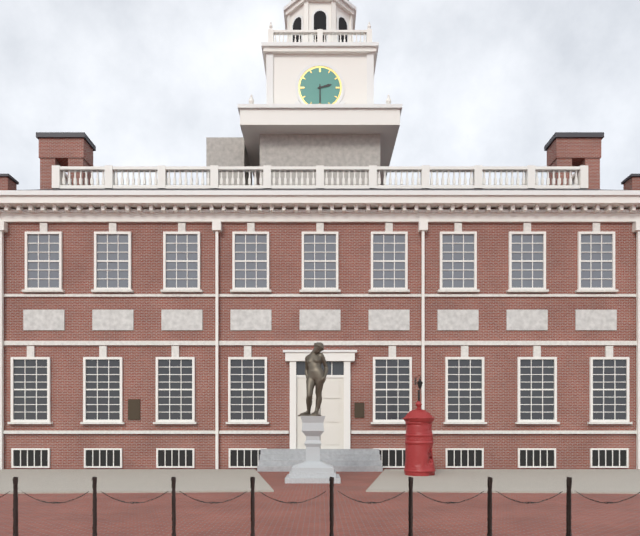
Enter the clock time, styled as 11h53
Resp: 2h30
